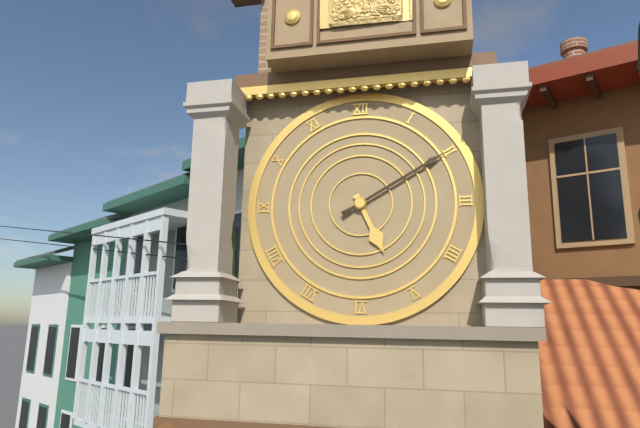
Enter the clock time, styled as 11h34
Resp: 5h10
